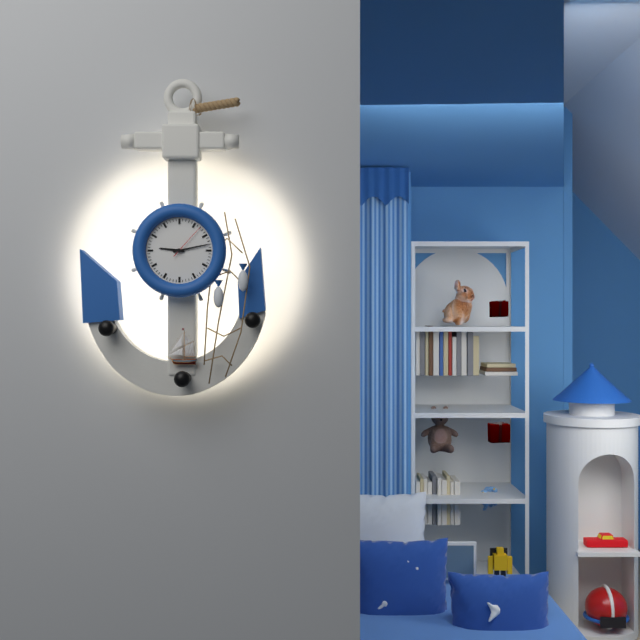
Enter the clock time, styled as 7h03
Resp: 9h13
